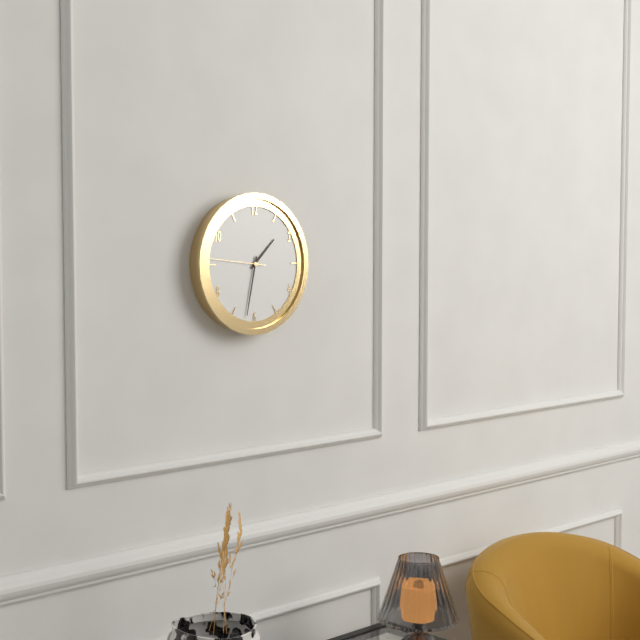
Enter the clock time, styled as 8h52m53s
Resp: 1h32m46s
